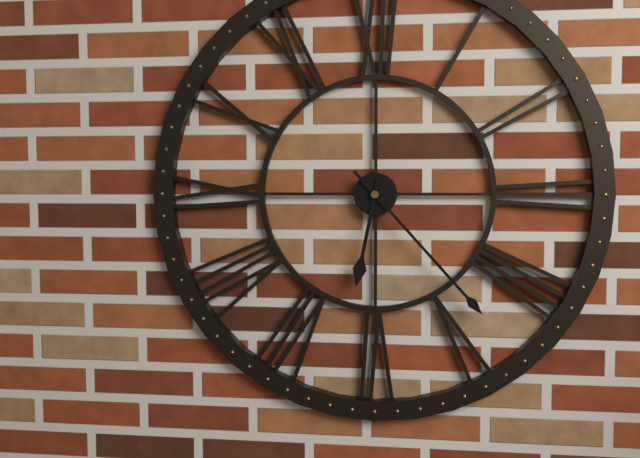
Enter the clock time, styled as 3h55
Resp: 6h23
